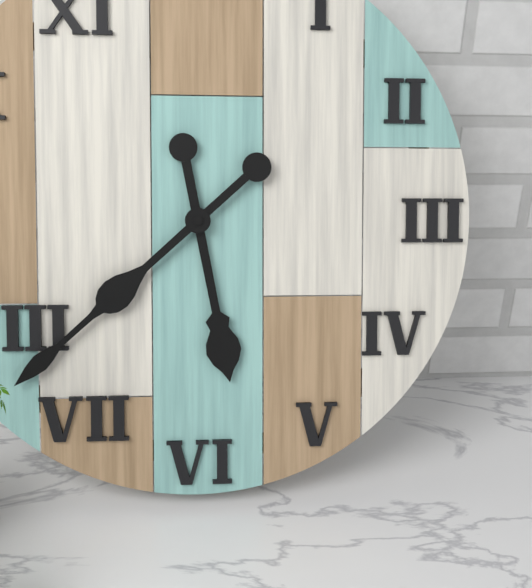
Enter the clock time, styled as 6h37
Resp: 5h38
